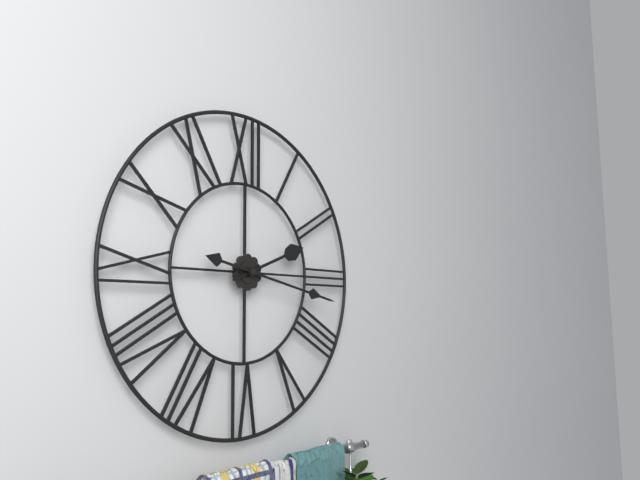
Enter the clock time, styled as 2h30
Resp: 2h17
